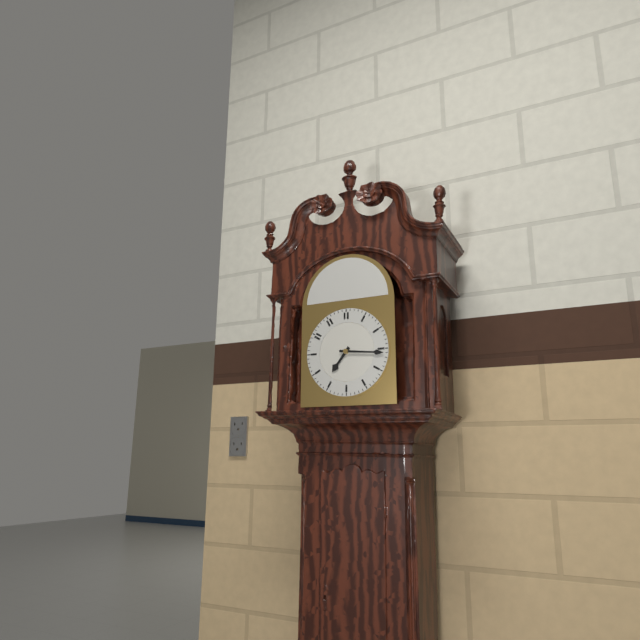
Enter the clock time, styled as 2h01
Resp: 7h16
